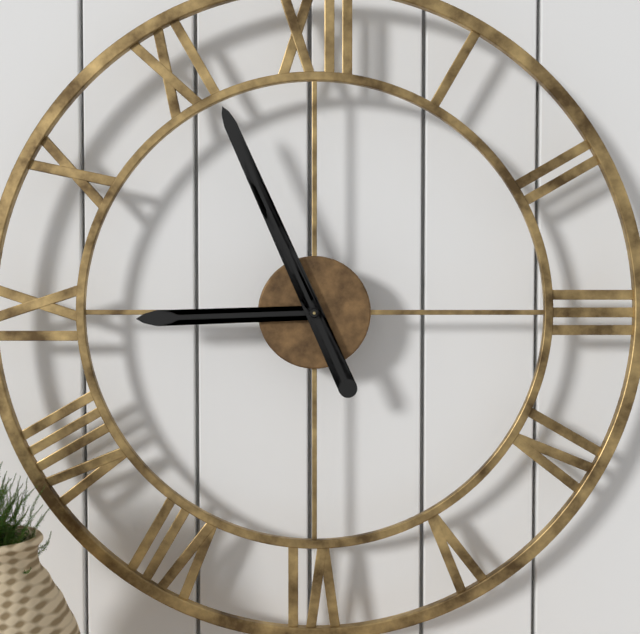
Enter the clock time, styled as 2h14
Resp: 8h56
